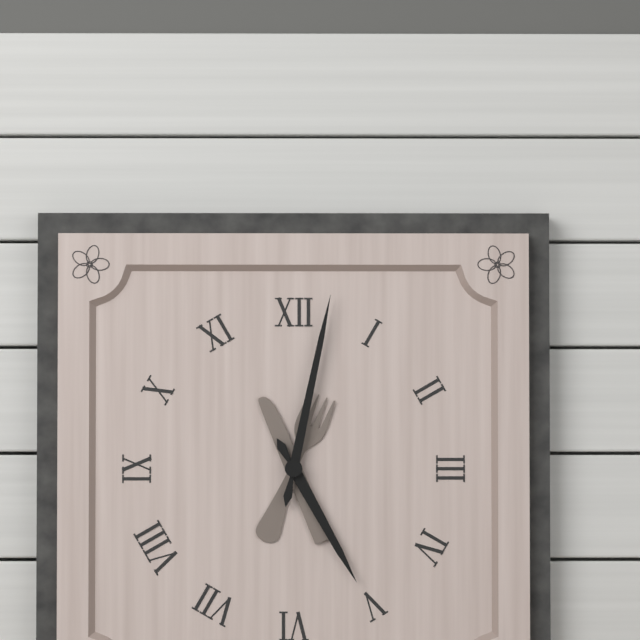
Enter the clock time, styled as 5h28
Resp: 5h02
